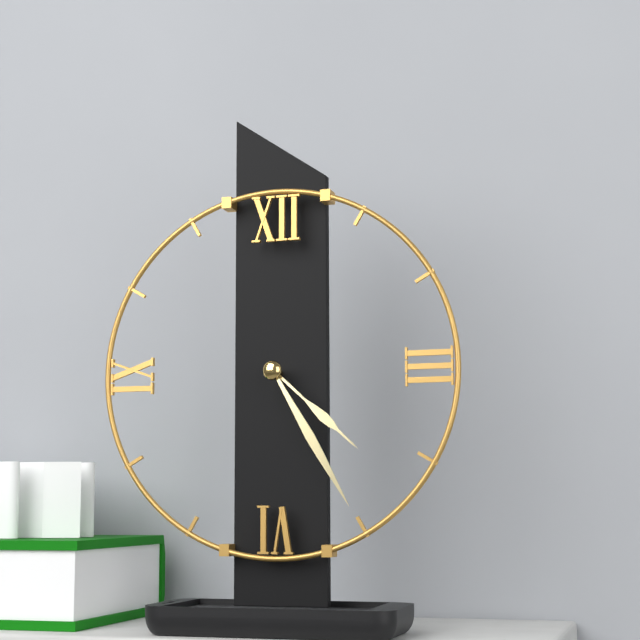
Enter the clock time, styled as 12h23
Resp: 4h25
